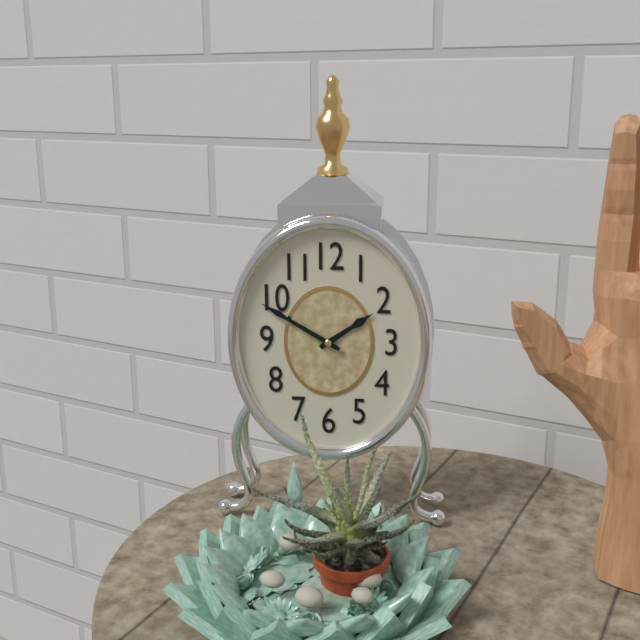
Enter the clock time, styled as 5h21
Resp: 1h50
